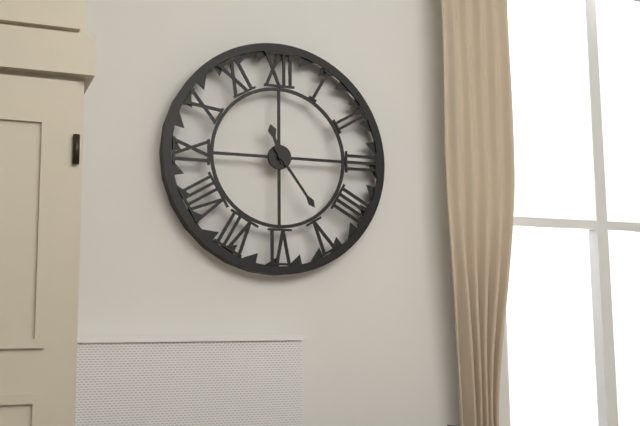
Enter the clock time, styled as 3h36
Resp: 11h24
